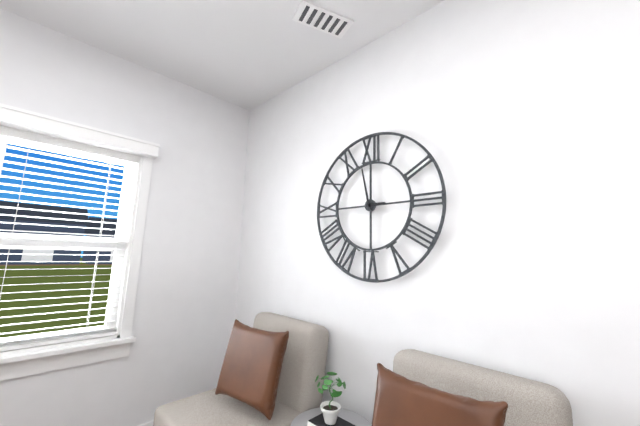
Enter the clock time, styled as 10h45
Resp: 2h58
